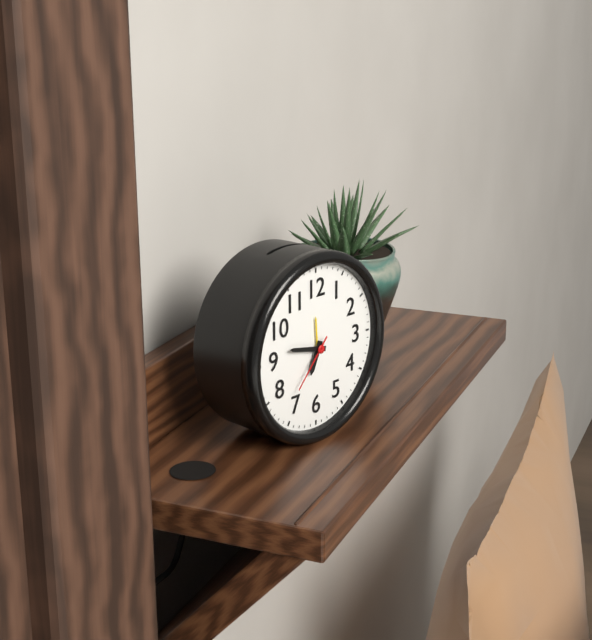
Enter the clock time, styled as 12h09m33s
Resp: 6h47m37s
